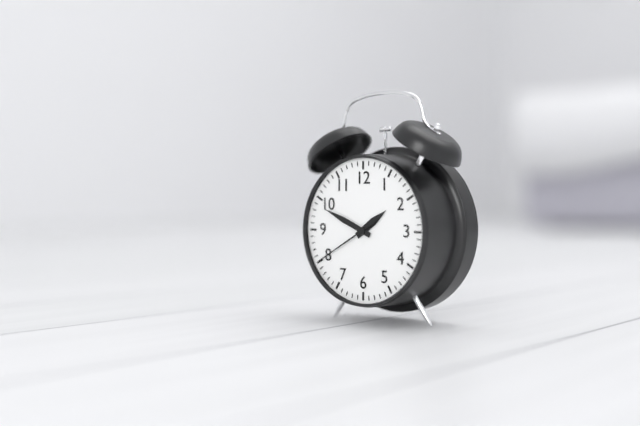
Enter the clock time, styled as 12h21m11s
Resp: 1h49m40s
